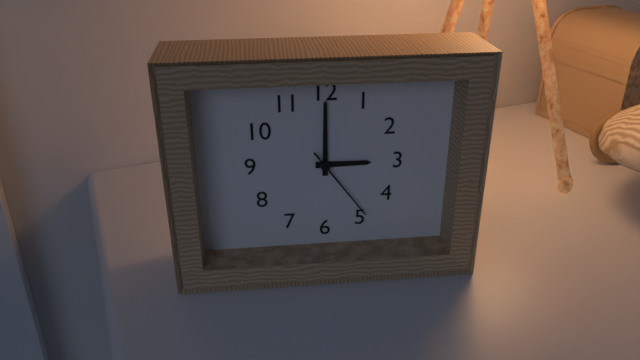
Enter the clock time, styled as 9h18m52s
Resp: 3h00m24s
